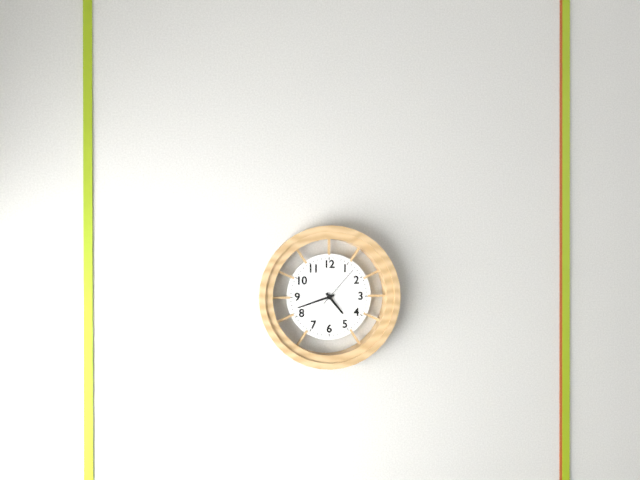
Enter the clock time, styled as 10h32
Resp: 4h42
